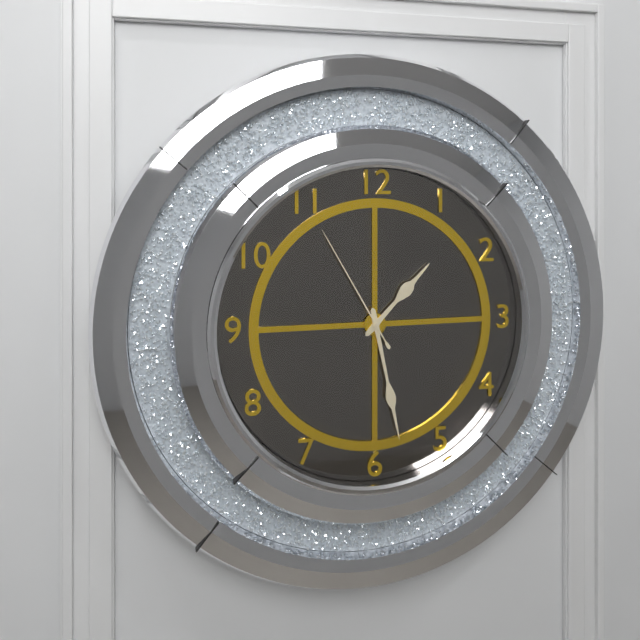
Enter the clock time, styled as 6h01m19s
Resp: 1h28m55s
